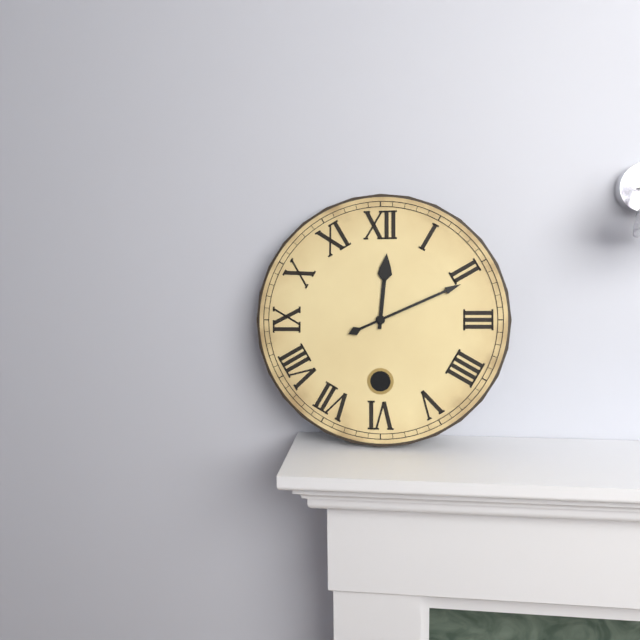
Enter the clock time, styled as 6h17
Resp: 12h11
